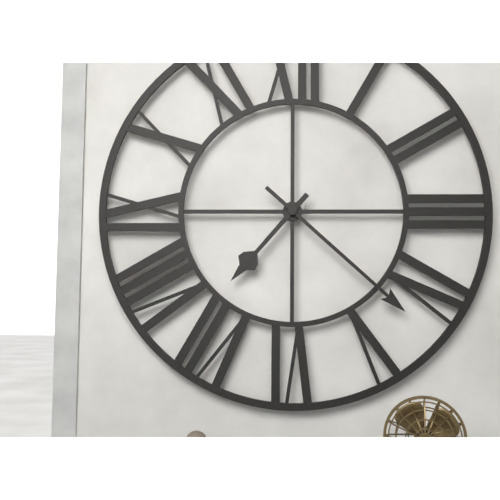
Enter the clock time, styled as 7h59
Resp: 7h22
